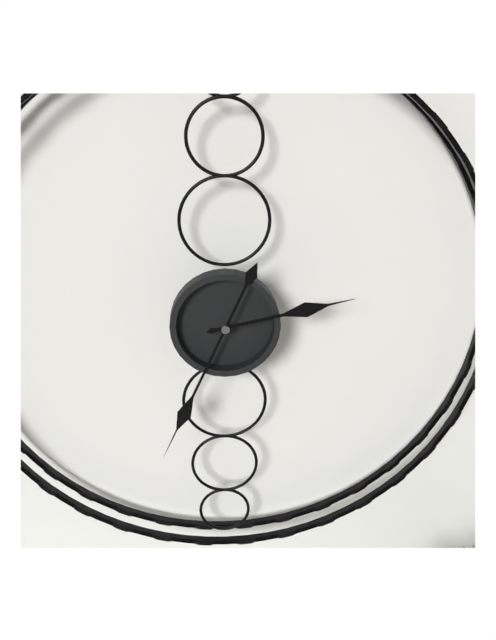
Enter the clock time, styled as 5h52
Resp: 2h34
